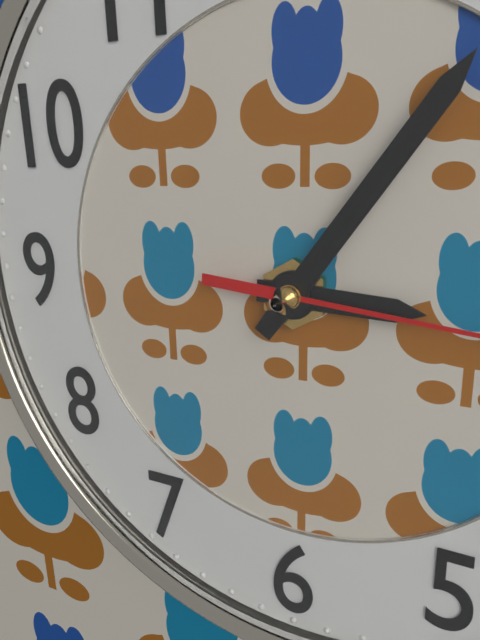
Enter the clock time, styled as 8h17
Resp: 3h06
